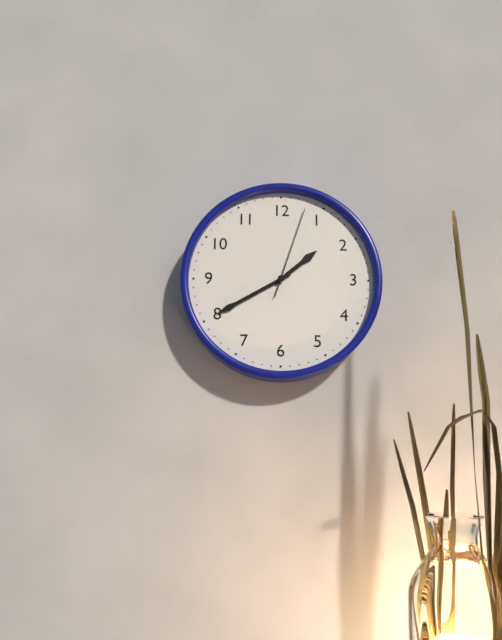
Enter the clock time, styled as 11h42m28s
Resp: 1h40m03s
